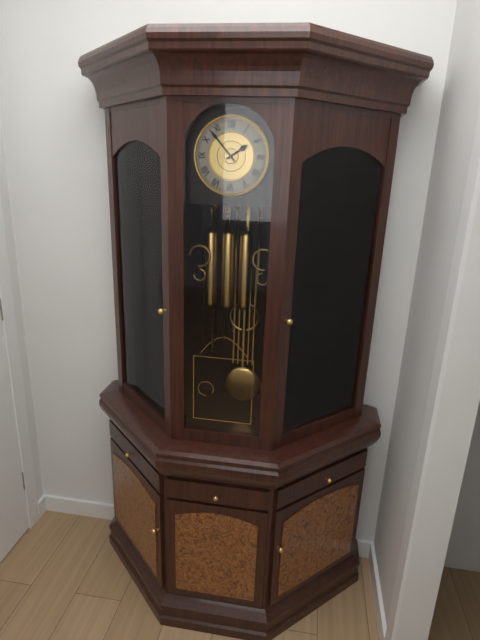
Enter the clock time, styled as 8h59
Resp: 1h53
